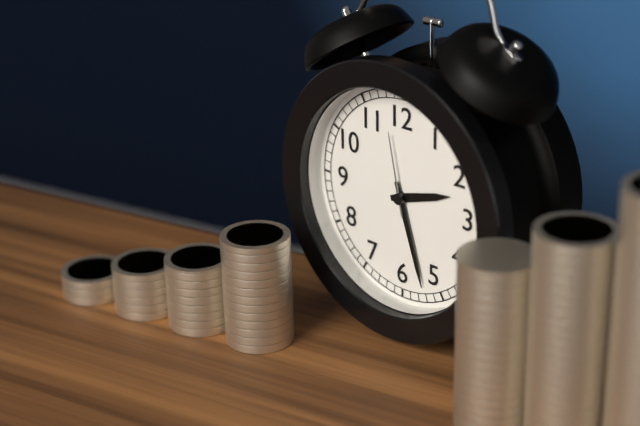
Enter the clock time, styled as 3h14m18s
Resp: 2h27m58s
